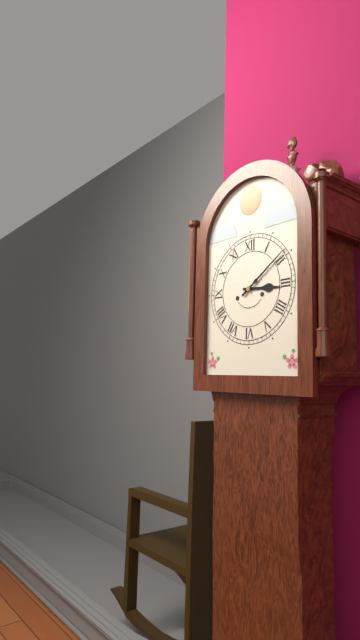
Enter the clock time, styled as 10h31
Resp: 3h09
